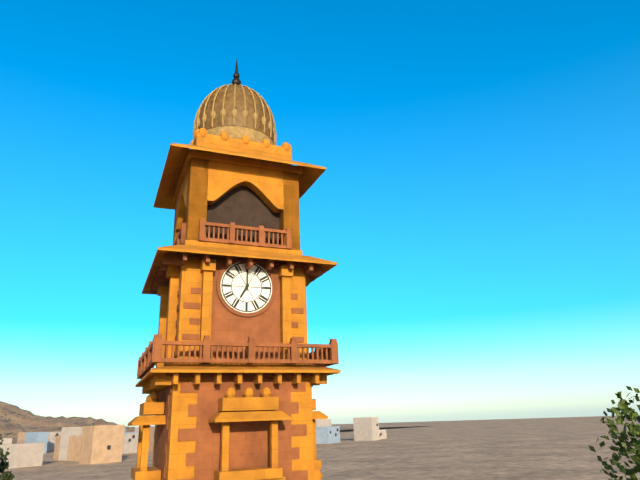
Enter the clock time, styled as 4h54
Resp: 7h00
